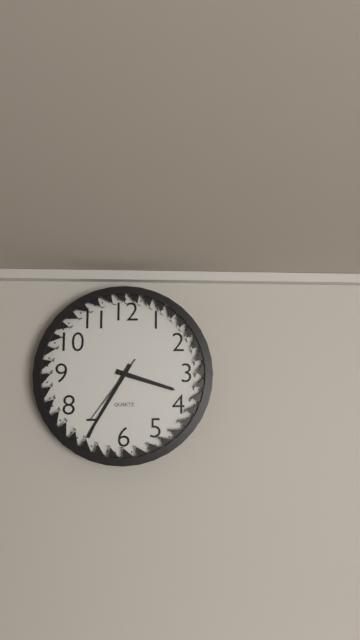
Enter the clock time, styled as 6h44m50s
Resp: 3h35m36s
